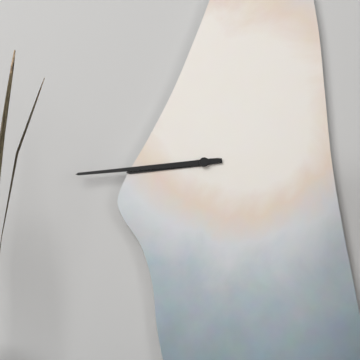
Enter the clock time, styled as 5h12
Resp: 8h44
